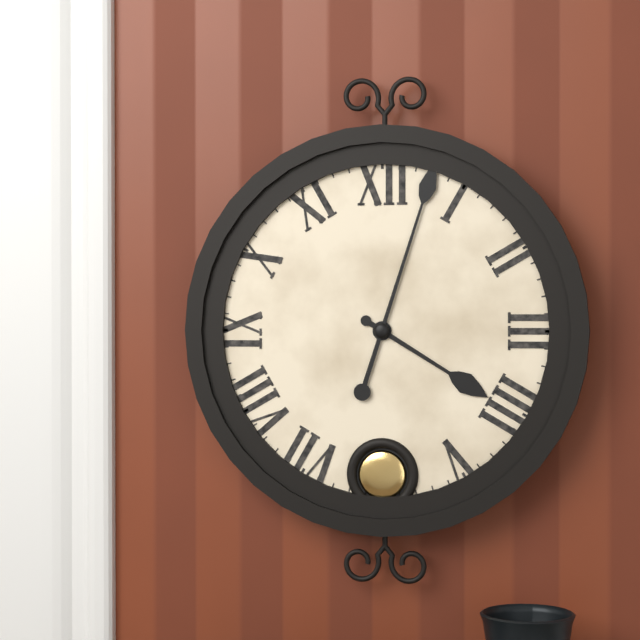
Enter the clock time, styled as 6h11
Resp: 4h03
